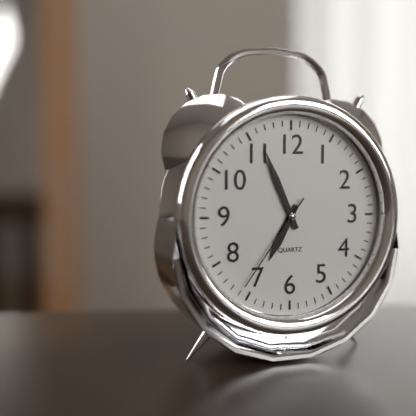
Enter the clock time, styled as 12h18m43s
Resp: 6h56m36s
